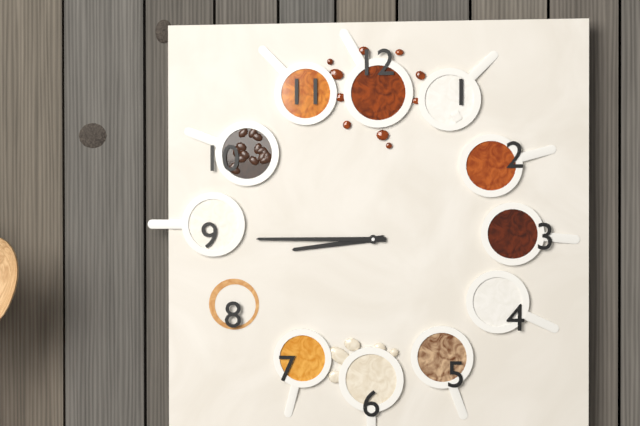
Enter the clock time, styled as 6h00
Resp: 8h45
